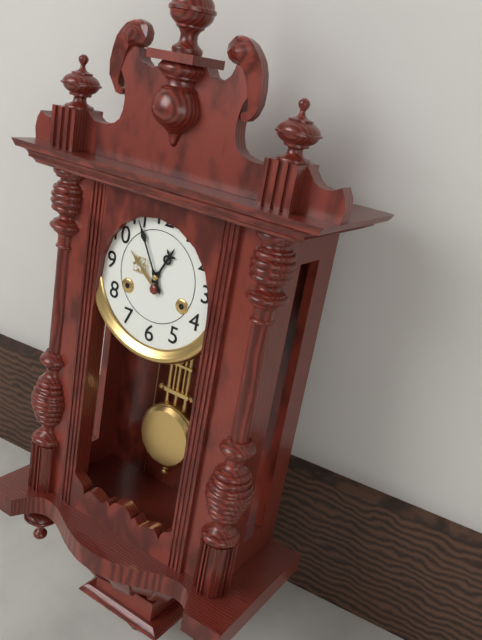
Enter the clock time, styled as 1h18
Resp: 12h55
